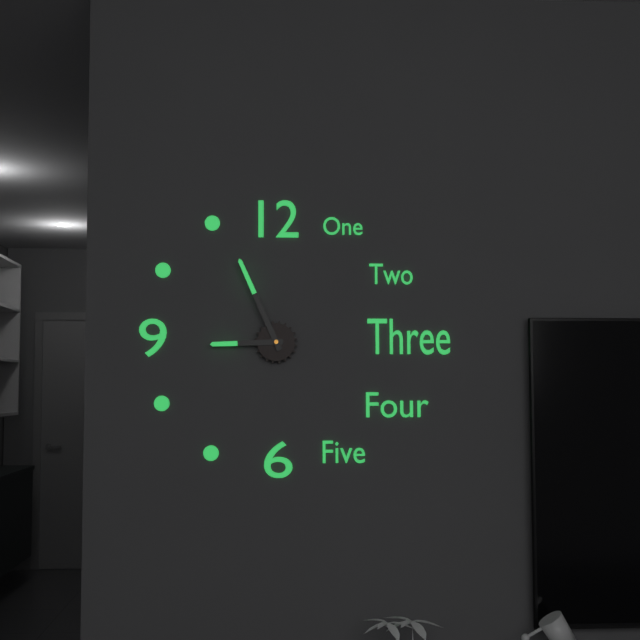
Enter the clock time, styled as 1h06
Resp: 8h56
